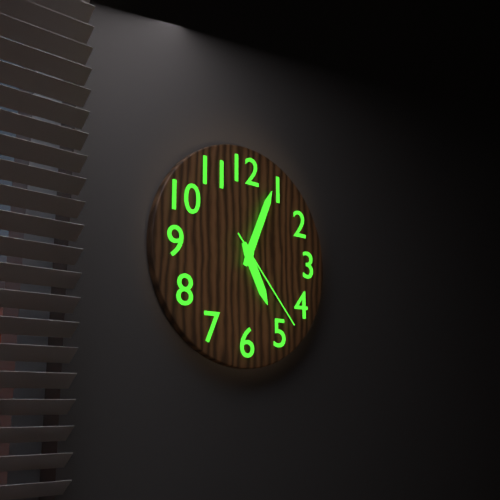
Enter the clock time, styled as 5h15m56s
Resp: 5h04m23s
